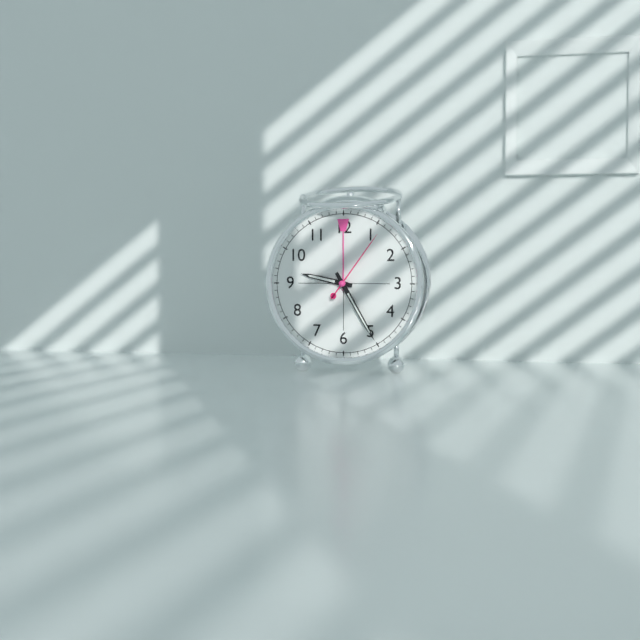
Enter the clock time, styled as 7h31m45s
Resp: 9h25m06s
